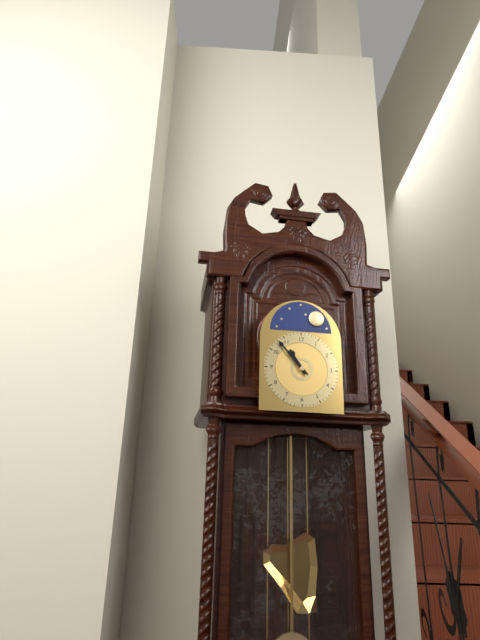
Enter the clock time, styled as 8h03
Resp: 10h53
